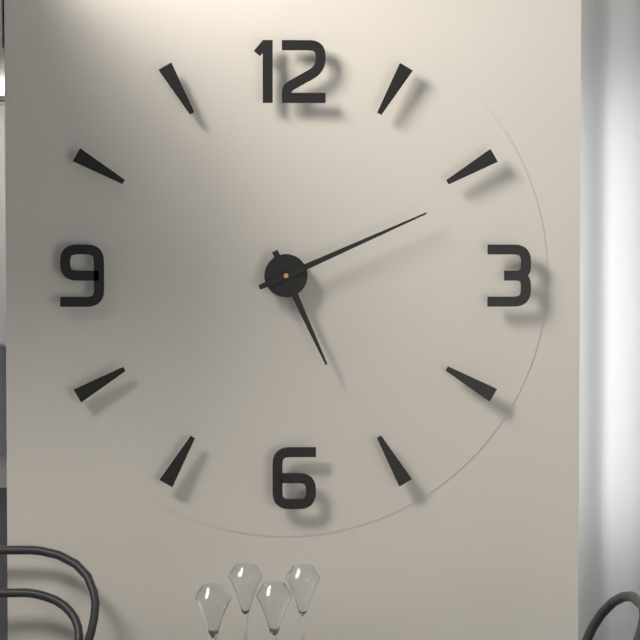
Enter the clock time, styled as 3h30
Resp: 5h11
